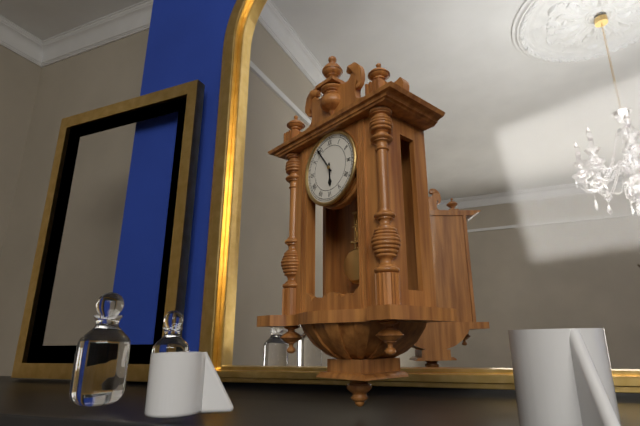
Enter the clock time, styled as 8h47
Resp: 5h54
